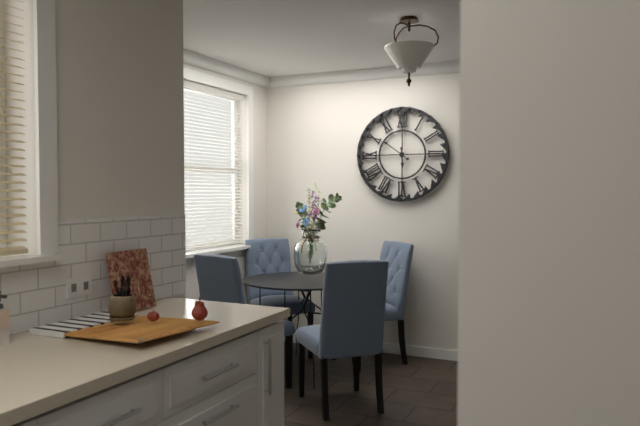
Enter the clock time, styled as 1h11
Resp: 5h51
